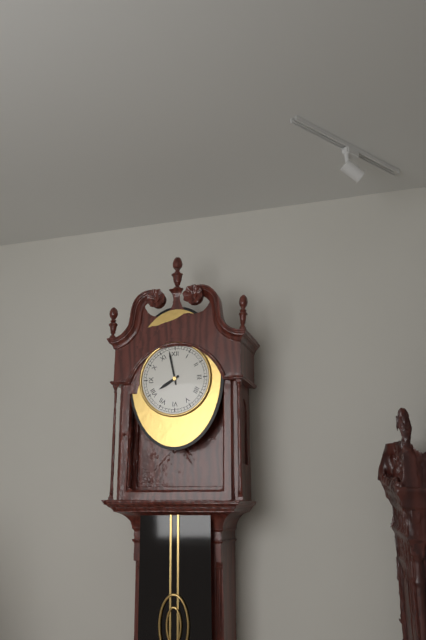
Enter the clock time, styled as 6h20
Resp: 7h58
